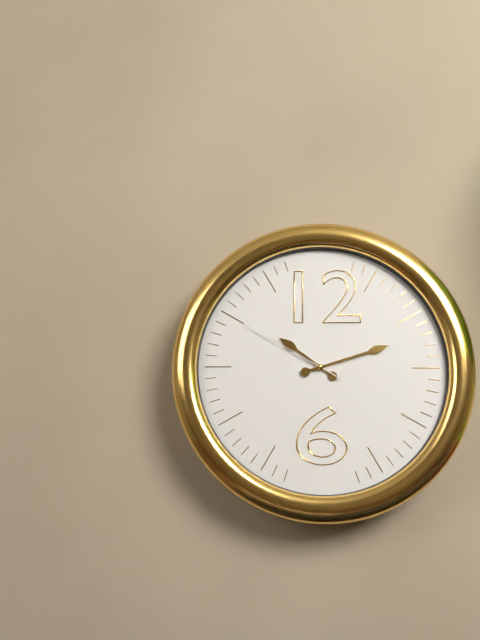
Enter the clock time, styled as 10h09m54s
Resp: 10h12m50s
